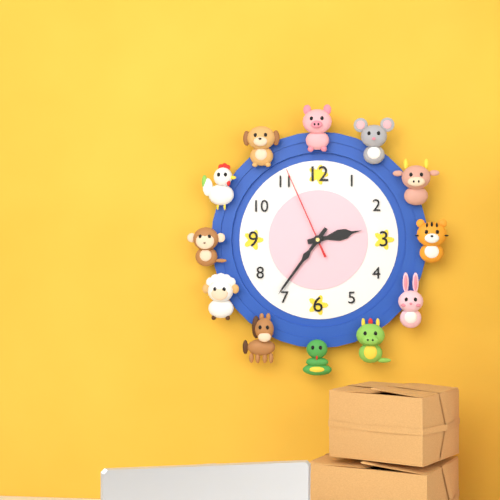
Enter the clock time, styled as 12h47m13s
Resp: 2h36m56s
